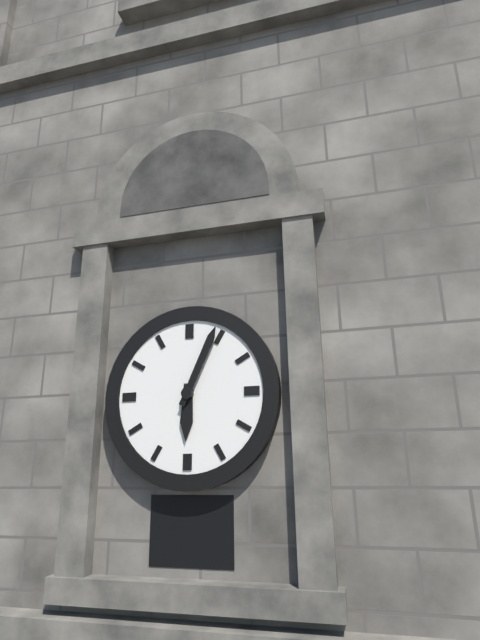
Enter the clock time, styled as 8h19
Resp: 6h04
